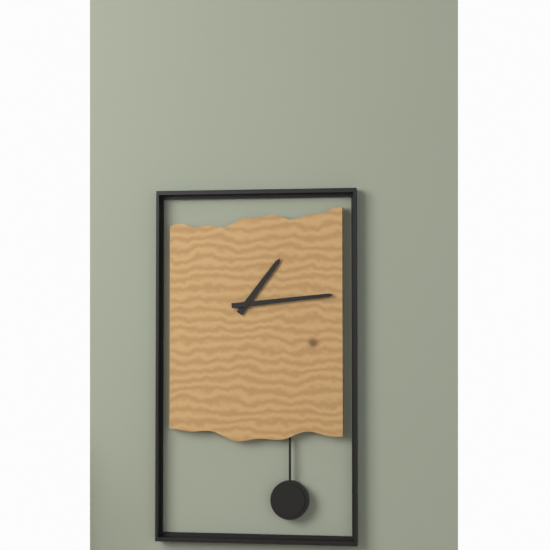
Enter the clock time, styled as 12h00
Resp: 1h14
